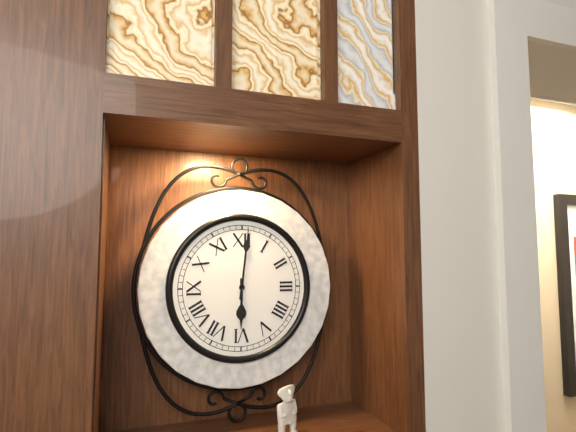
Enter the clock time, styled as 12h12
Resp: 6h01
